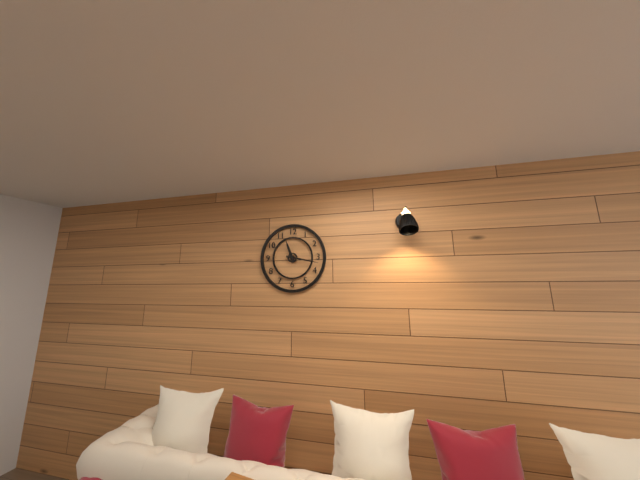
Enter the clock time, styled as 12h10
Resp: 11h17
